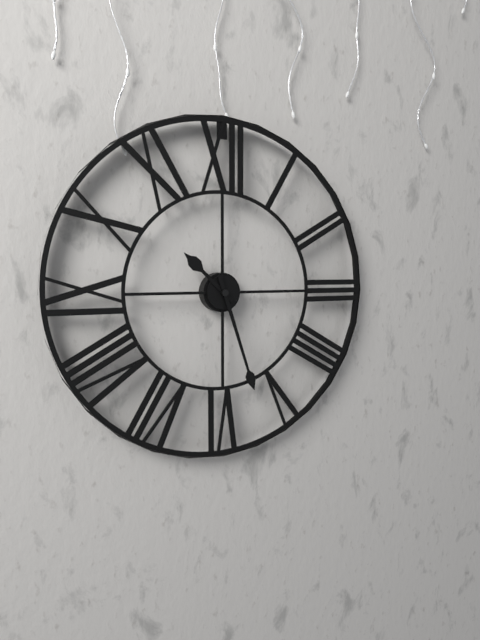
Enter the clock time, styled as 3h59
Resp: 10h27
